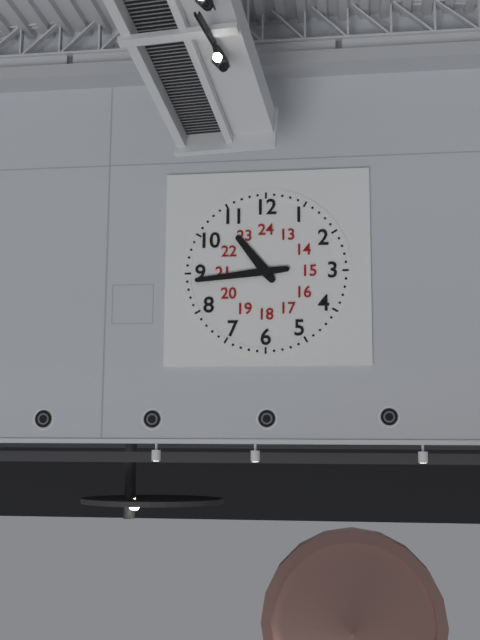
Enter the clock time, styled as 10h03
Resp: 10h44
